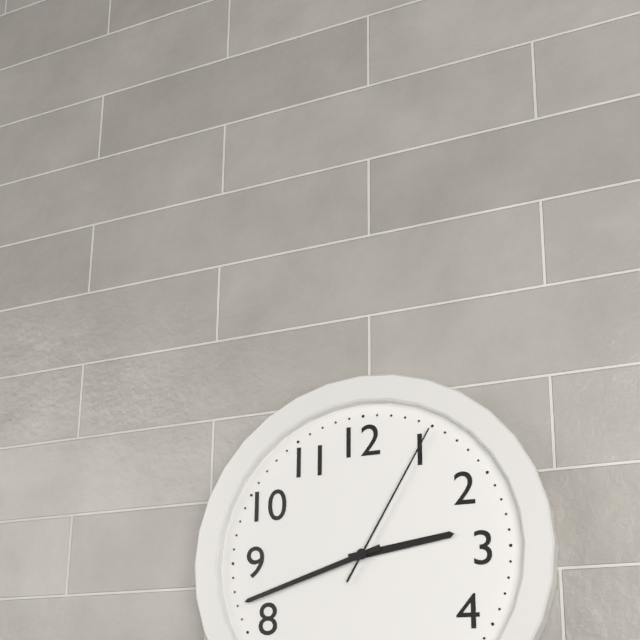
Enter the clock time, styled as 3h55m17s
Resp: 2h42m05s
